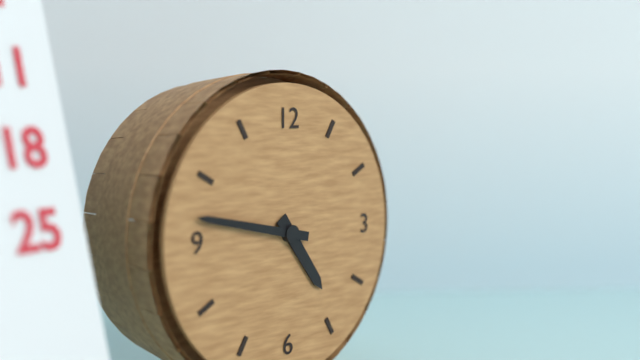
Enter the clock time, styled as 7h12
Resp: 4h47
